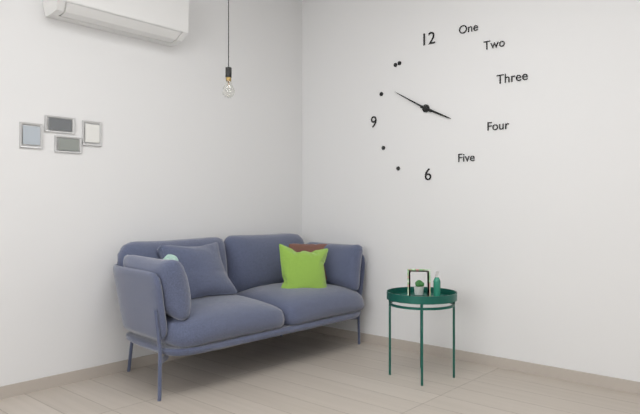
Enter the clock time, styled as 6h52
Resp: 3h50
